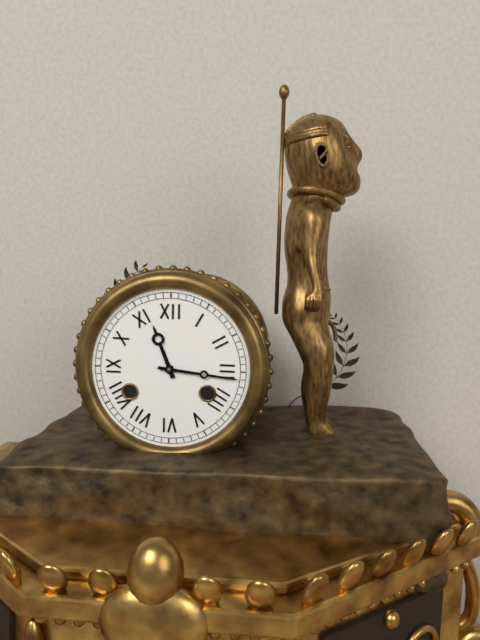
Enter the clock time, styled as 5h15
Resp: 11h16
